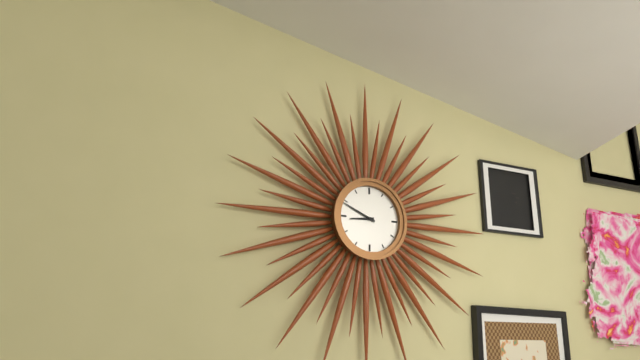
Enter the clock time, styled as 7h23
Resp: 8h49
